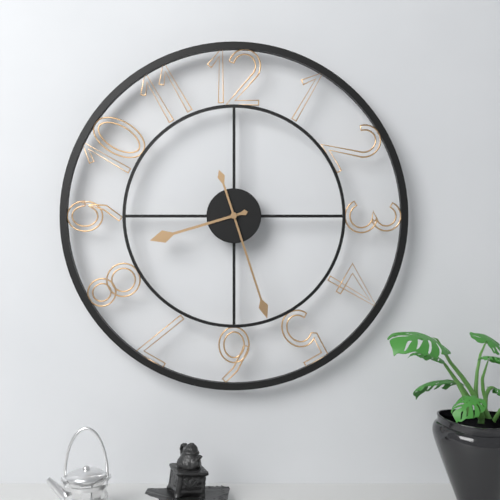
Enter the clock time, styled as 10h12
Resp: 8h27
